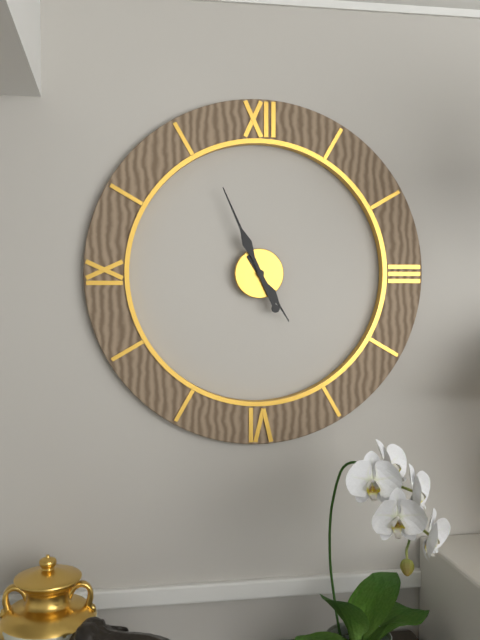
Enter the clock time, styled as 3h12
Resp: 4h56
